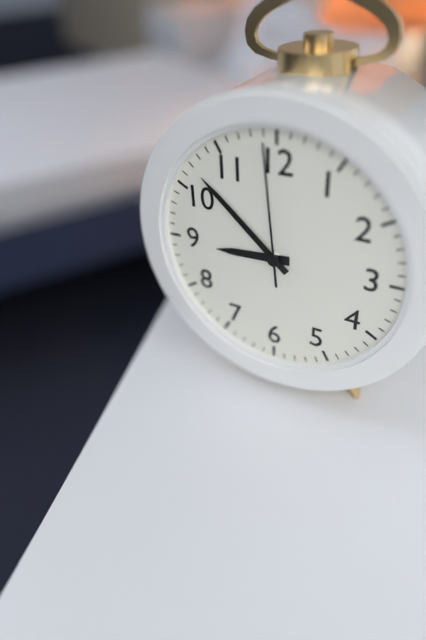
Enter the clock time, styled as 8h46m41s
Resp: 8h52m59s
